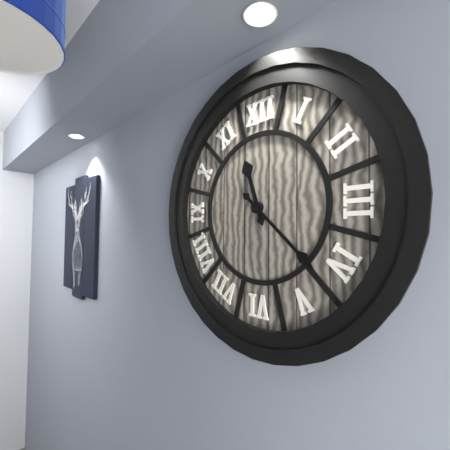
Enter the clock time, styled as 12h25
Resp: 11h22
